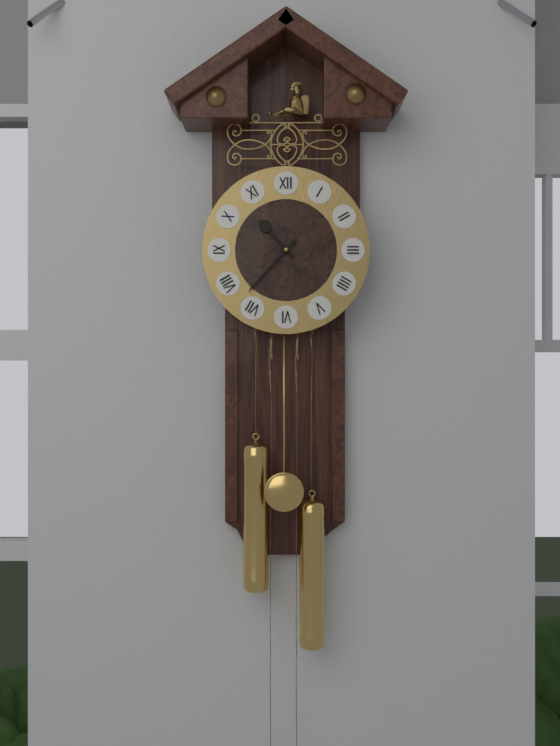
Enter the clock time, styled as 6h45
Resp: 10h37
